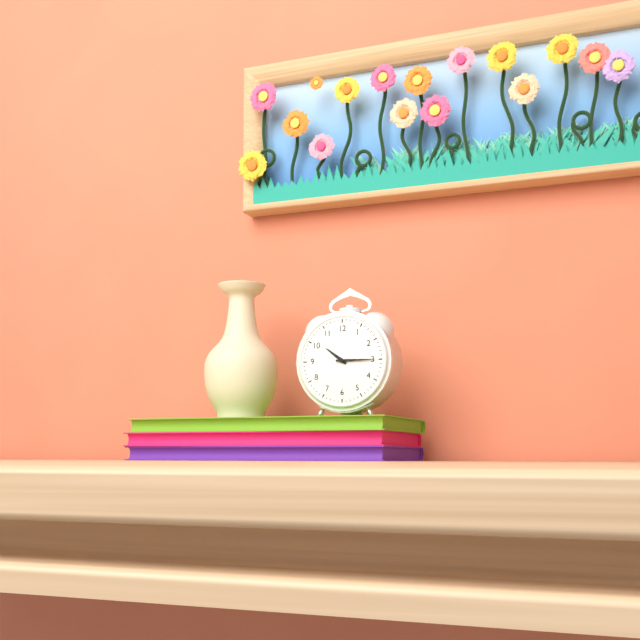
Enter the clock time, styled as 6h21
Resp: 10h15
